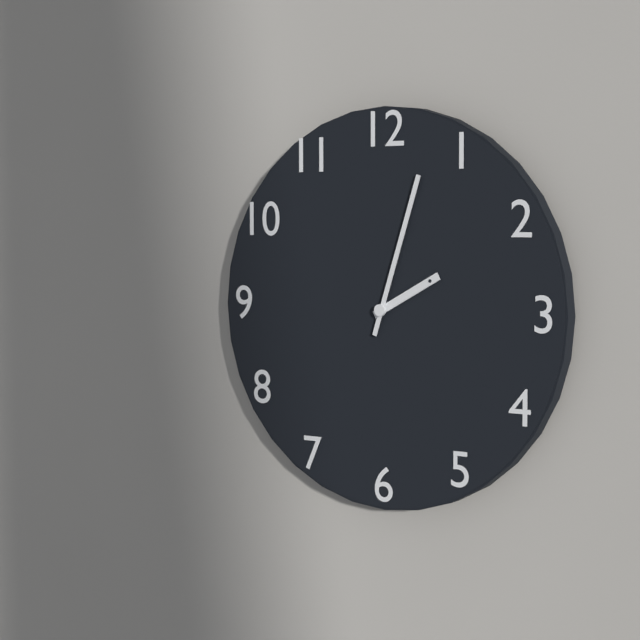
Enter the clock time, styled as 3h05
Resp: 2h03
